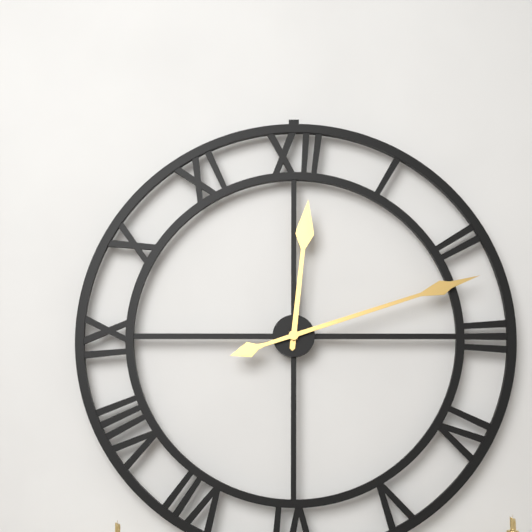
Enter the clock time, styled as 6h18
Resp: 12h12
